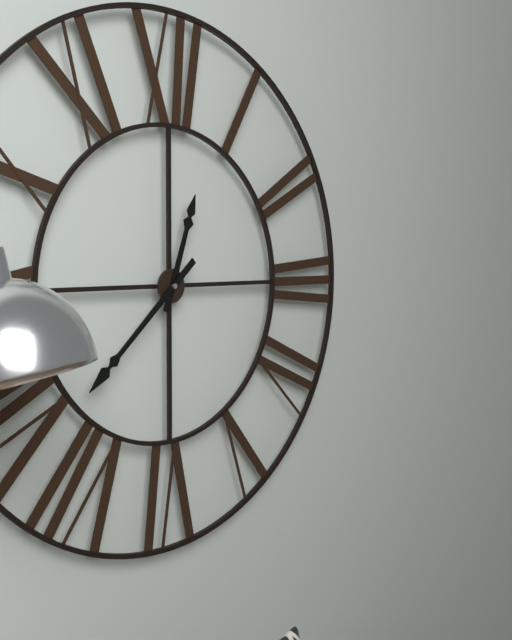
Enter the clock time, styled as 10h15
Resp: 12h38
